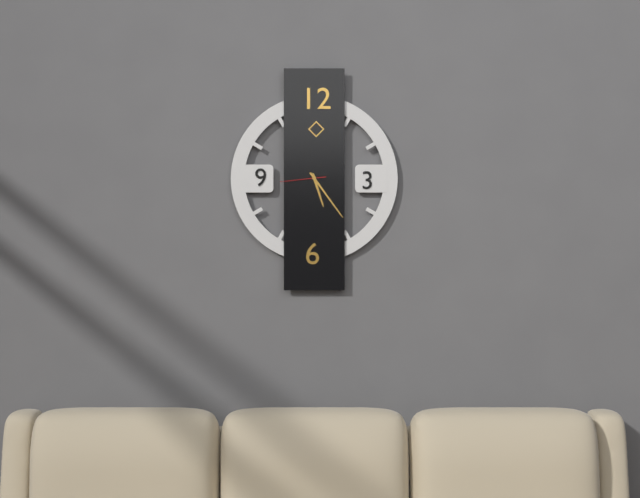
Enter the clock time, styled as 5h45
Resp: 5h24
